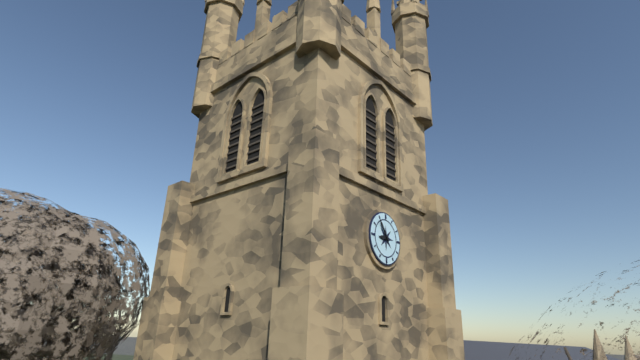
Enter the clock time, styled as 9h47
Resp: 8h54
